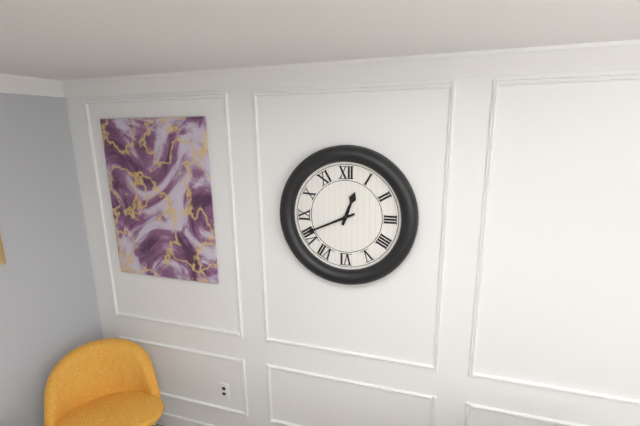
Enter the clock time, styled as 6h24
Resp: 12h41
